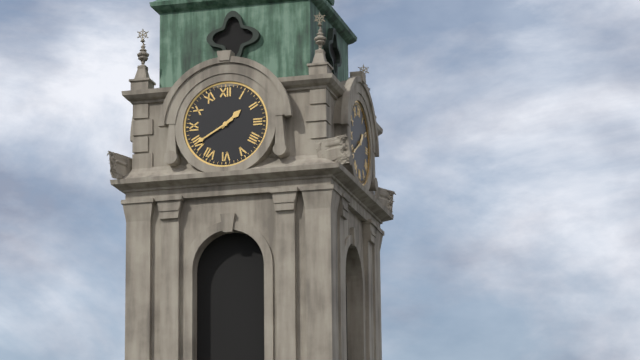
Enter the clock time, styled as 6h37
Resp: 1h40
